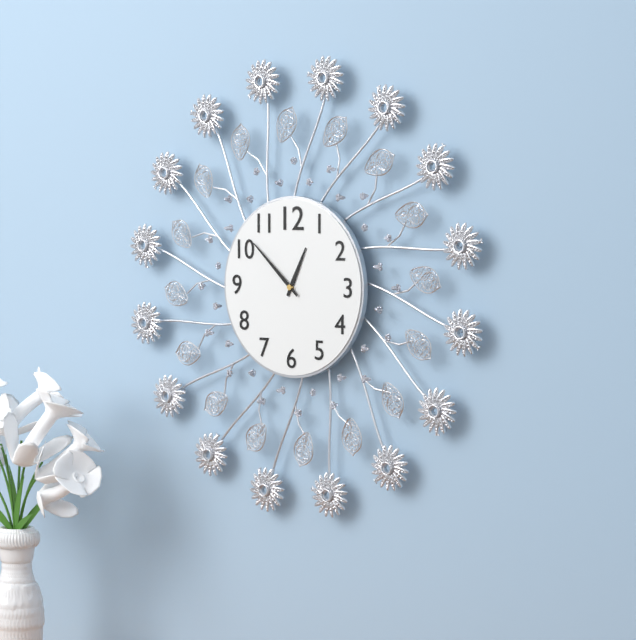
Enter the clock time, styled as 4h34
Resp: 12h52
